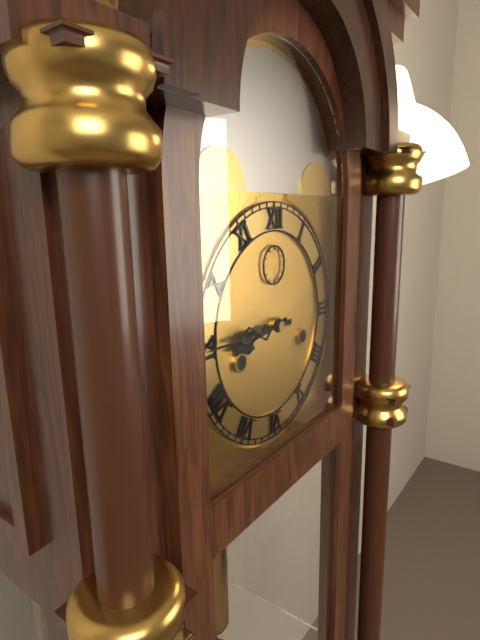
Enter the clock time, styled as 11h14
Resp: 8h45
